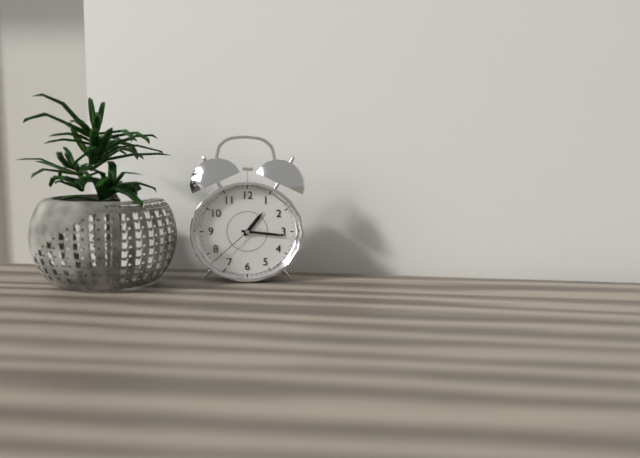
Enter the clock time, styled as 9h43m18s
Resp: 1h16m38s
